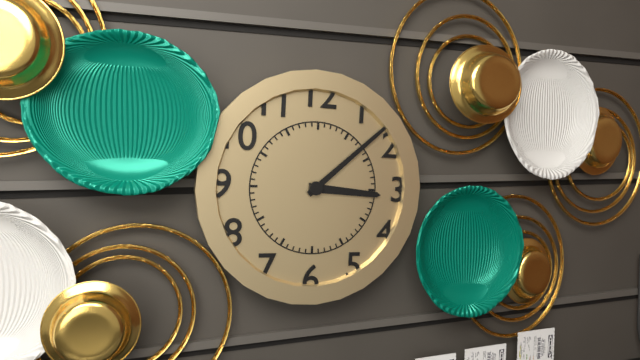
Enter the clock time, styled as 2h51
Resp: 3h08
